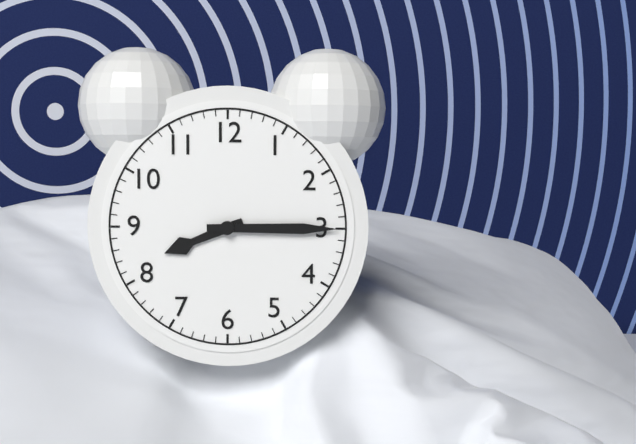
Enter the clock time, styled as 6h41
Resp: 8h15
